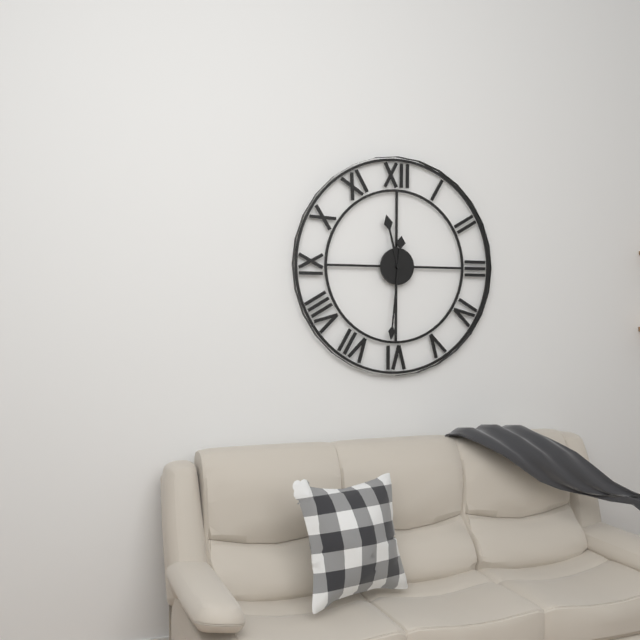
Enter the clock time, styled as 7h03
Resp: 11h31
